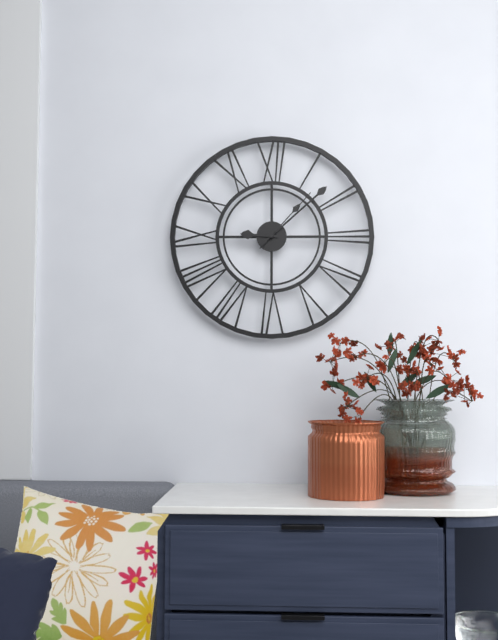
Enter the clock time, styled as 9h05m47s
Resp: 9h08m07s
